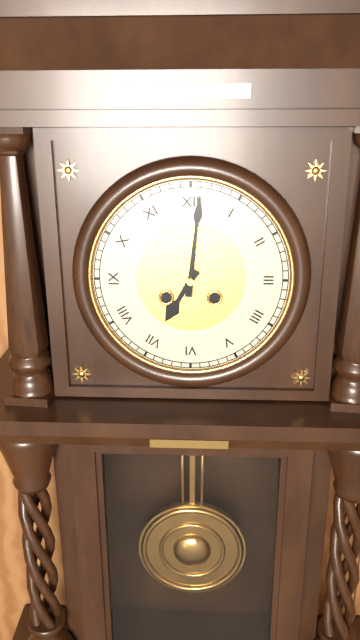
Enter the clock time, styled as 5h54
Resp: 7h01
